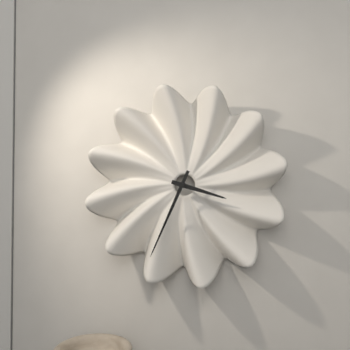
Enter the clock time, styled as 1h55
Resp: 3h34
